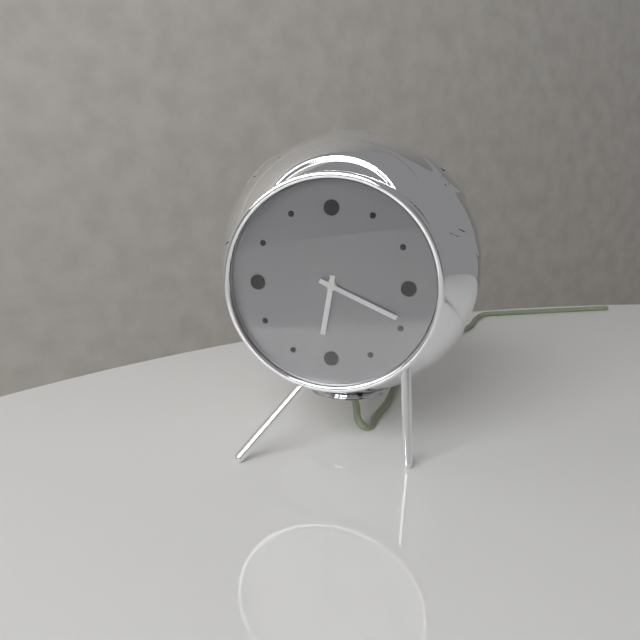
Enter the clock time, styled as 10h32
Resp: 6h19
